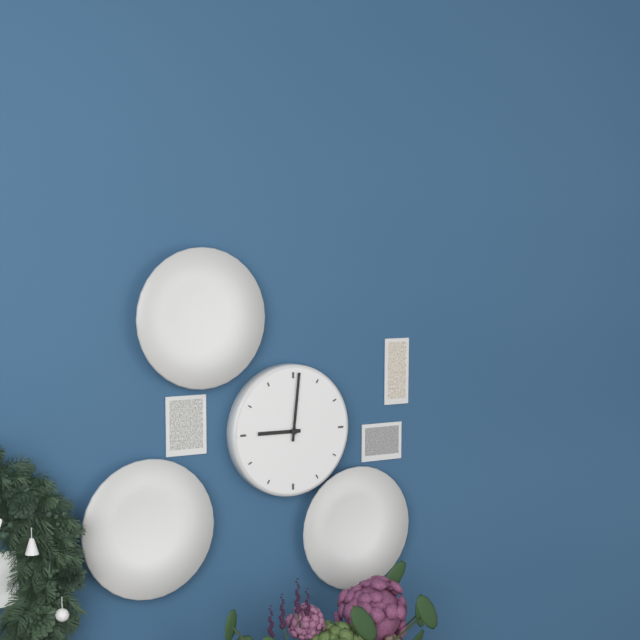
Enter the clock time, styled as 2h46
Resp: 9h01
